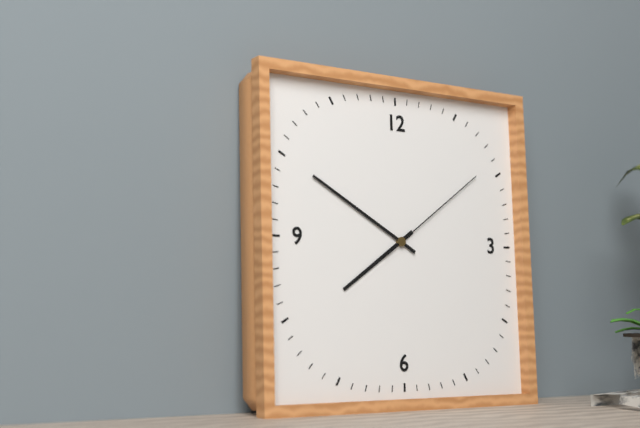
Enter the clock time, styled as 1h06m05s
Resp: 7h50m09s
